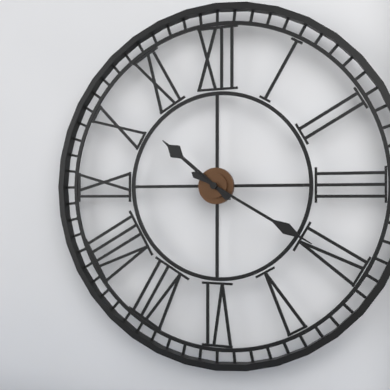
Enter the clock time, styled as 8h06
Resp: 10h20
